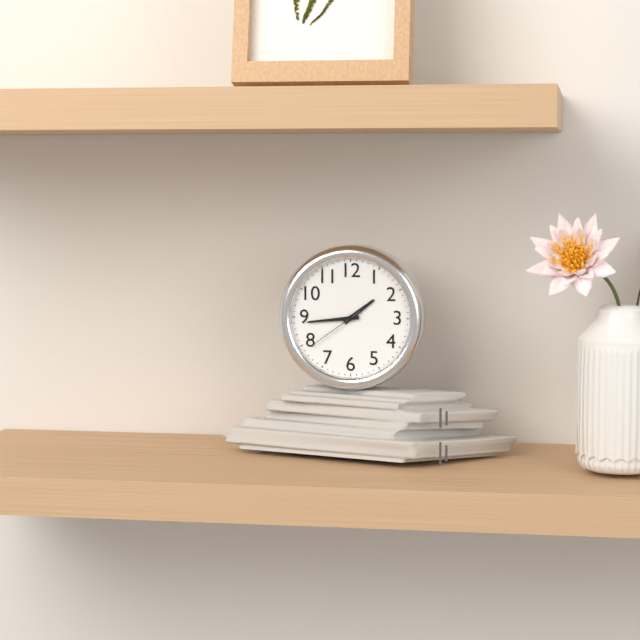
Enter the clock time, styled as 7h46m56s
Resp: 1h44m39s
